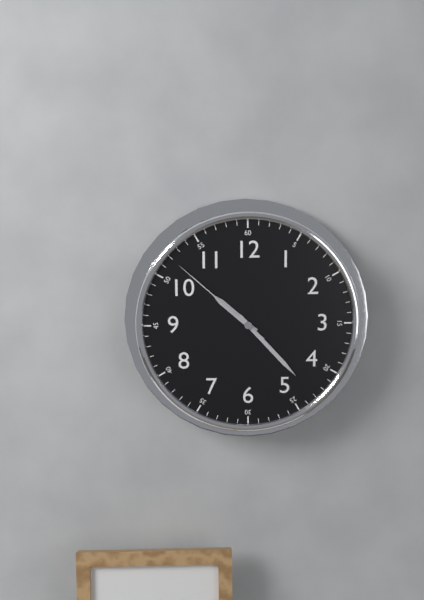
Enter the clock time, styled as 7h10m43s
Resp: 10h23m52s
